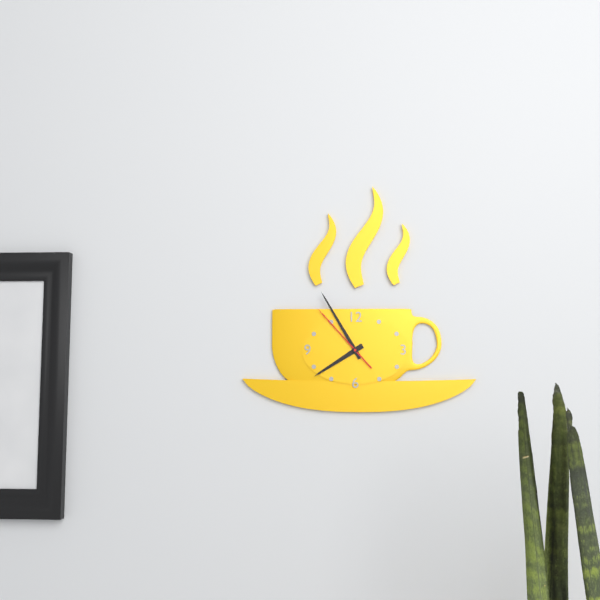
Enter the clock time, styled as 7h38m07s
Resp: 7h55m53s
